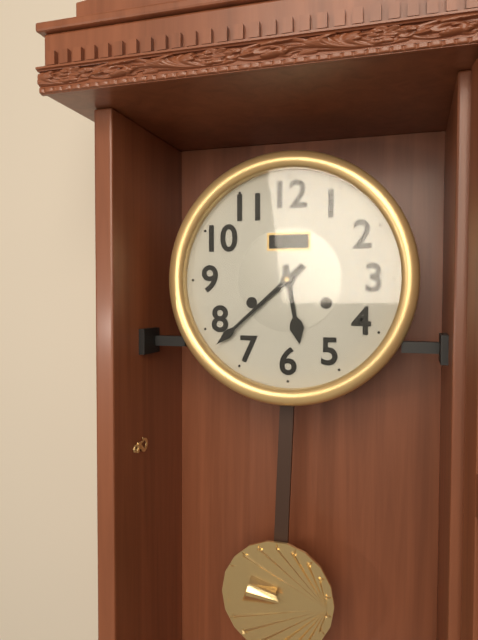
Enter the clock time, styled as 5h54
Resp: 5h38
